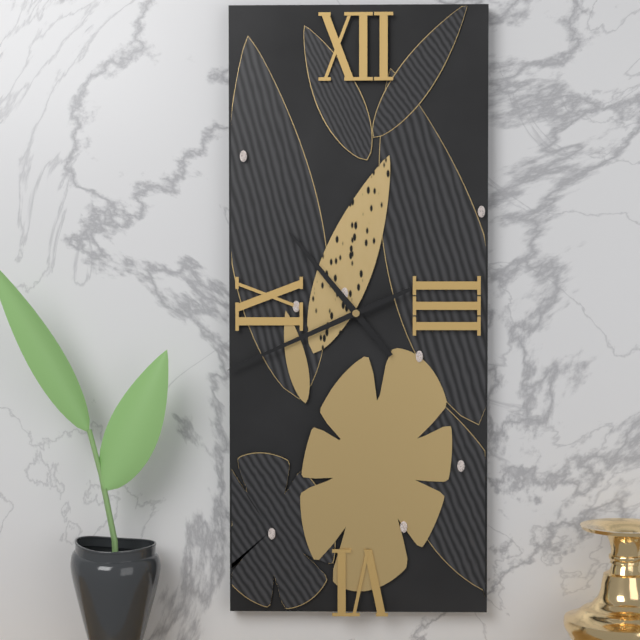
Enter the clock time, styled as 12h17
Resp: 10h41
